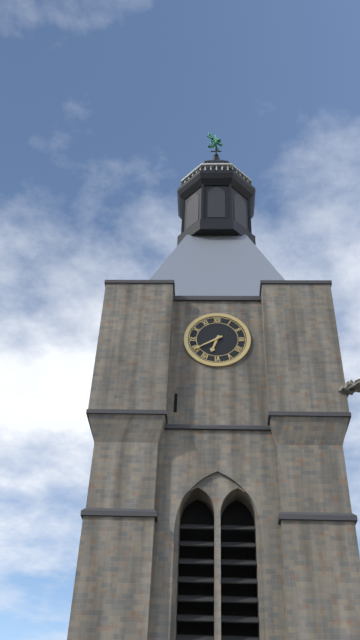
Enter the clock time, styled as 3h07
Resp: 6h40
